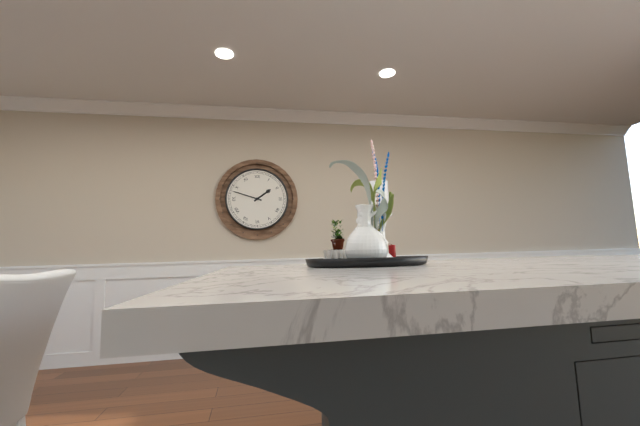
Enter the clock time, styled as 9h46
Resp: 1h48
